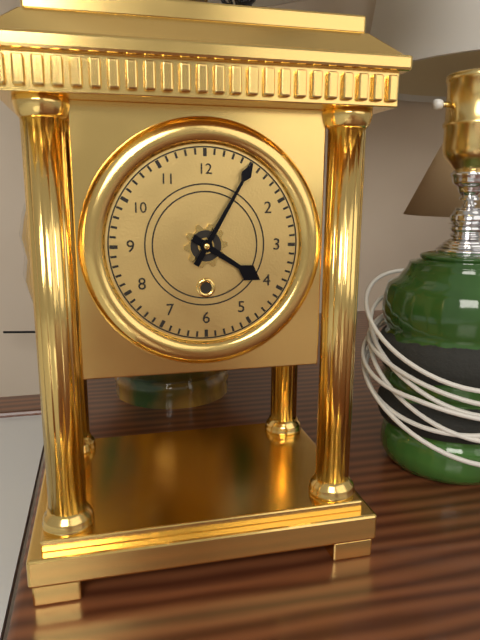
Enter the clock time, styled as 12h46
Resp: 4h05
